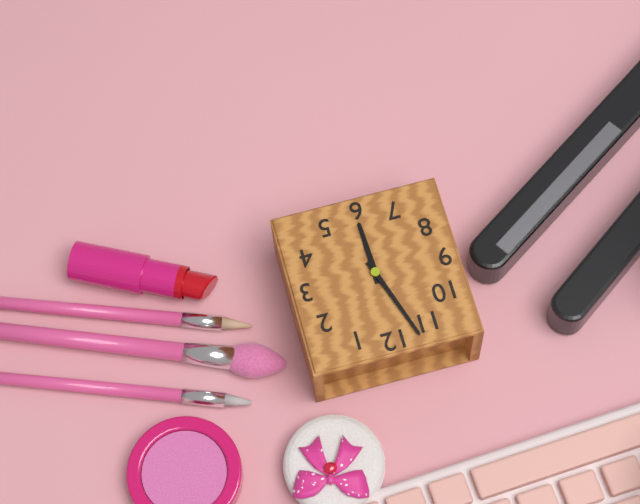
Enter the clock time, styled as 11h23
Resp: 5h57
